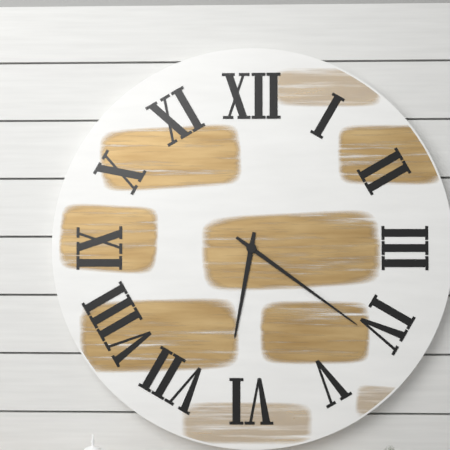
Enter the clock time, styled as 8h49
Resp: 6h21
